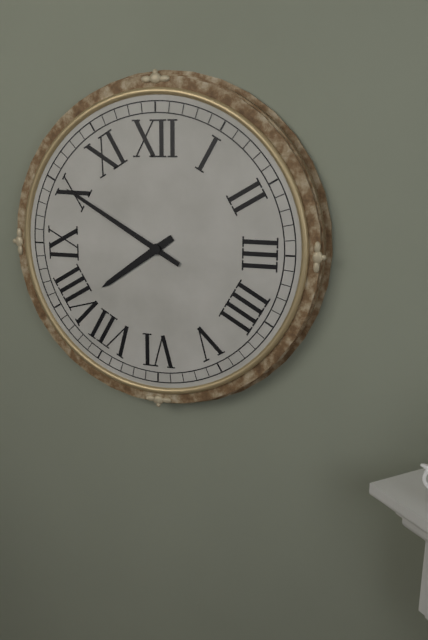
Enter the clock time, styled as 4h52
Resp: 7h50
